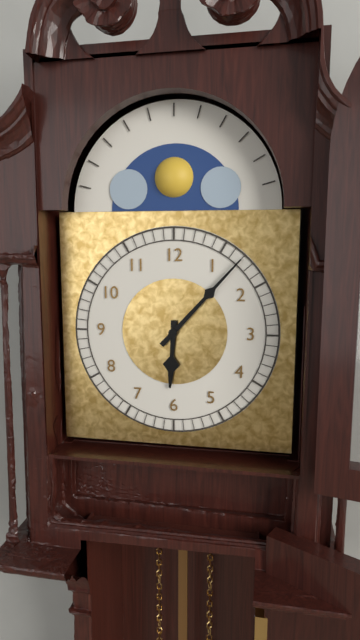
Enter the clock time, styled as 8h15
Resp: 6h07
